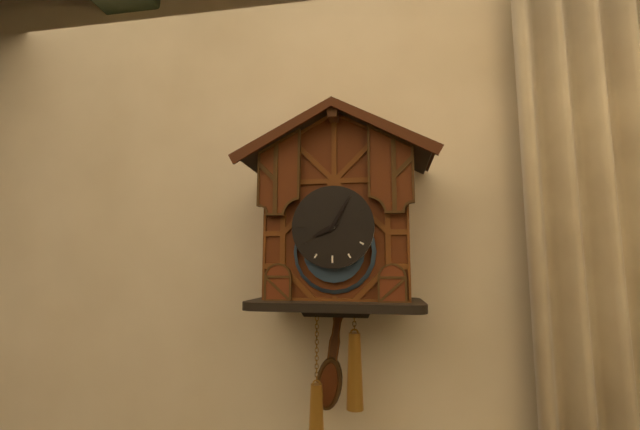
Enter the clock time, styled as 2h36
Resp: 8h05
